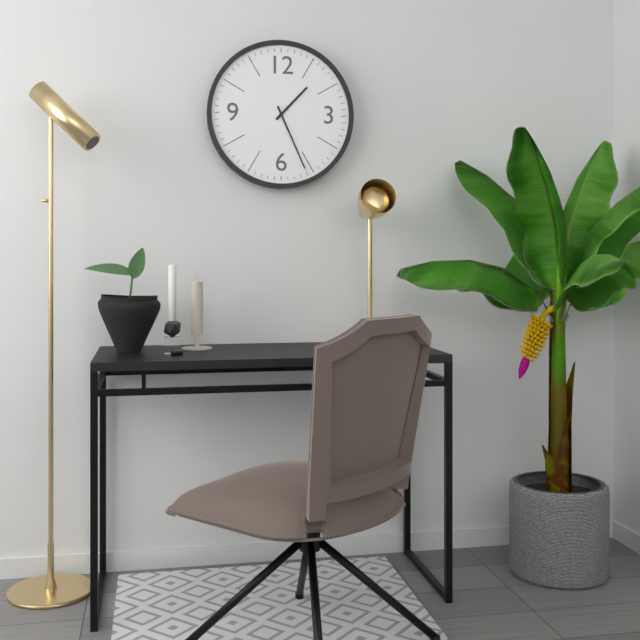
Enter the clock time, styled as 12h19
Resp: 1h26
